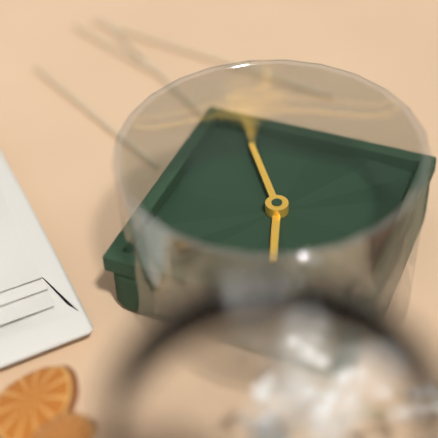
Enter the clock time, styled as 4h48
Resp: 11h24
